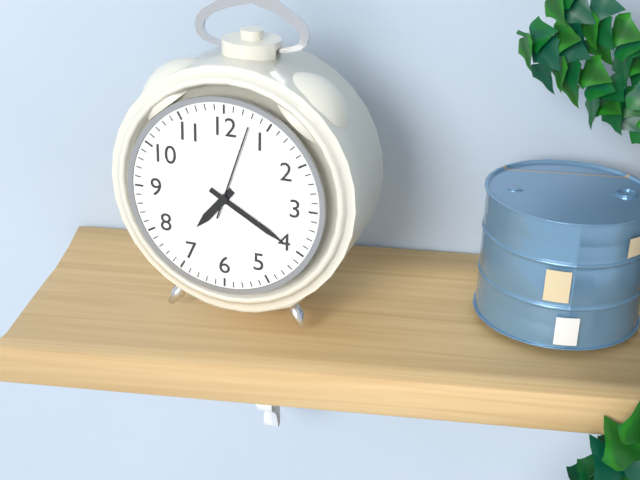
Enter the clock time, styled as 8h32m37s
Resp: 7h20m03s
